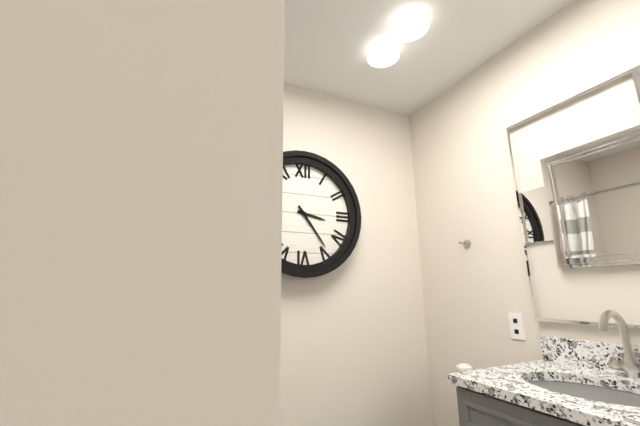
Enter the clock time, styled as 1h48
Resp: 3h24
